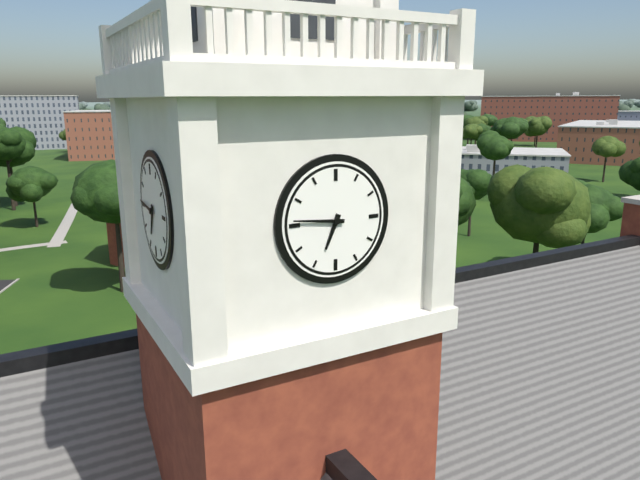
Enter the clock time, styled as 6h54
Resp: 6h46
